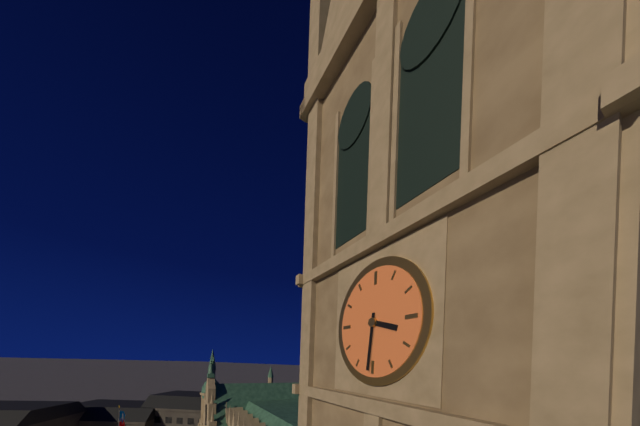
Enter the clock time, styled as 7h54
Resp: 3h31
